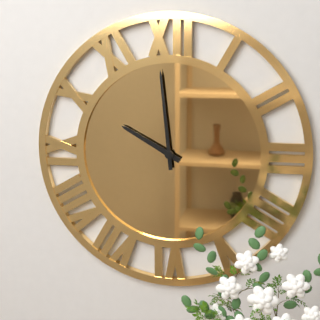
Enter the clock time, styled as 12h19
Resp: 9h59
